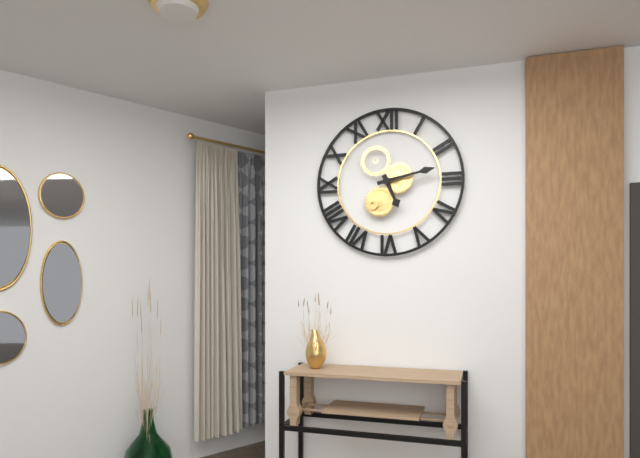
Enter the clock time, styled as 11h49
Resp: 5h13
